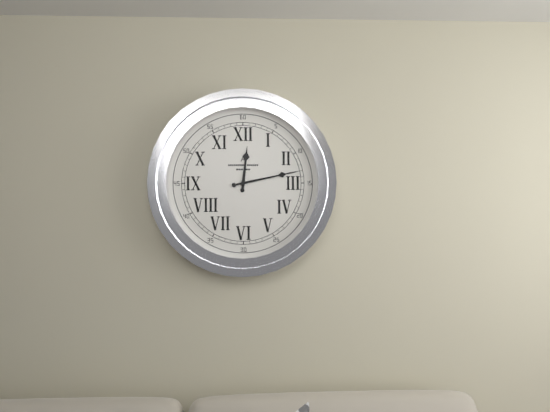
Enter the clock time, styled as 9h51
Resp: 12h13
